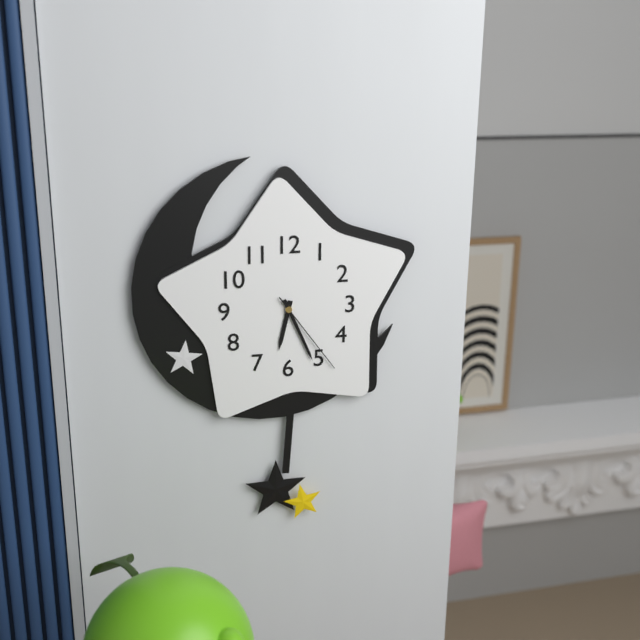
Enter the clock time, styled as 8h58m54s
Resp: 6h26m24s
